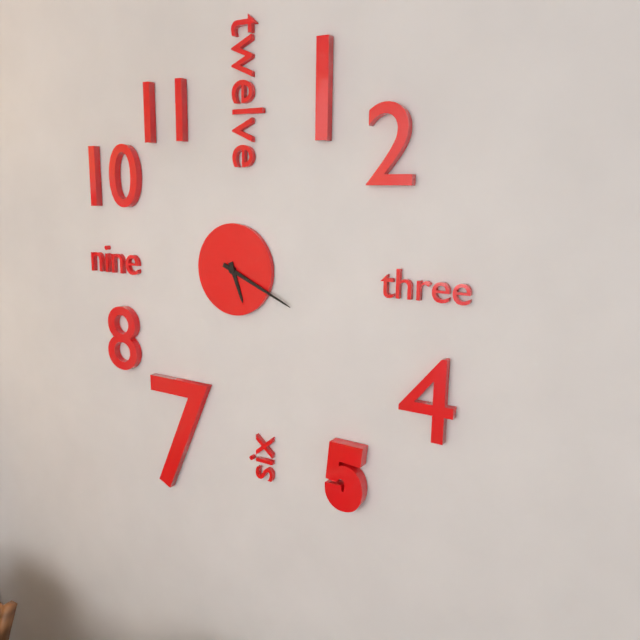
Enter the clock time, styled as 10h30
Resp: 5h19
